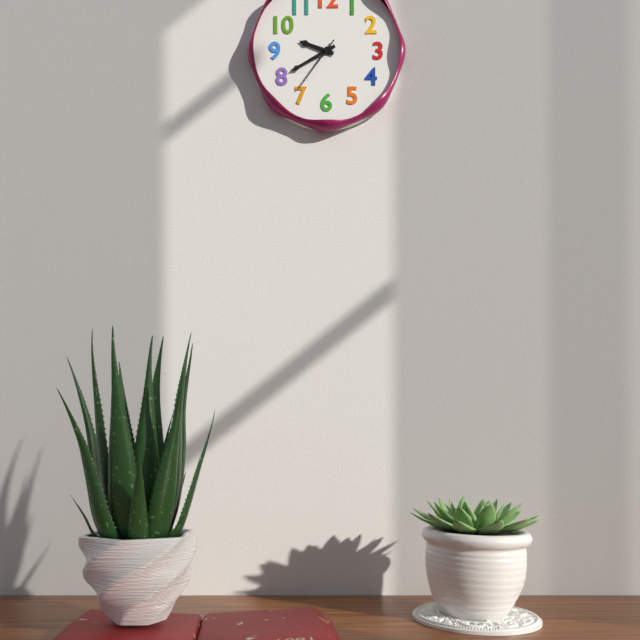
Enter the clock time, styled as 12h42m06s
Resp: 9h40m36s
